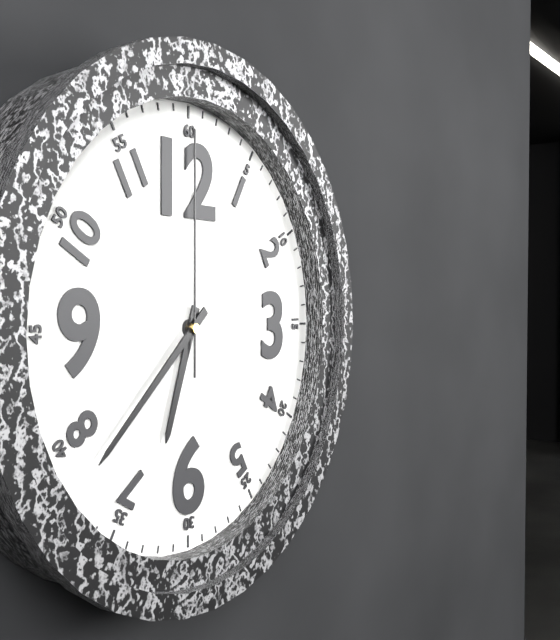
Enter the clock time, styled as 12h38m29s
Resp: 6h38m00s
